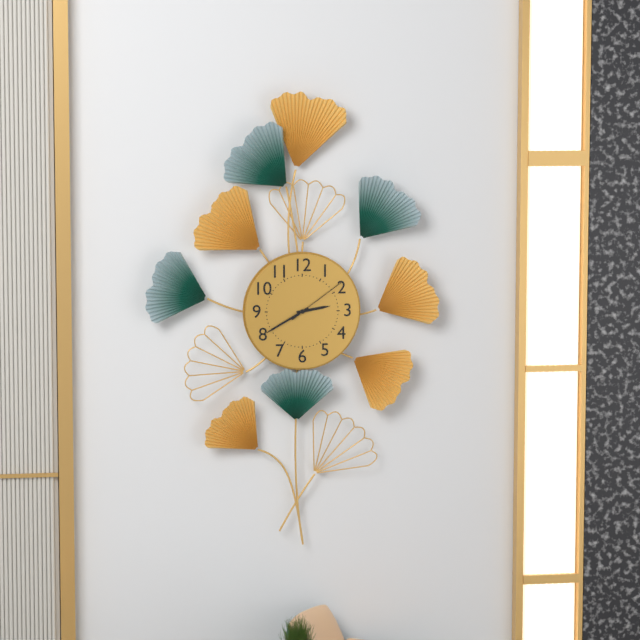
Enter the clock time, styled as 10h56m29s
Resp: 2h40m09s
